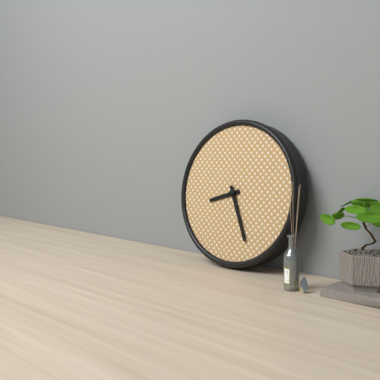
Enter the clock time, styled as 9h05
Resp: 8h26
